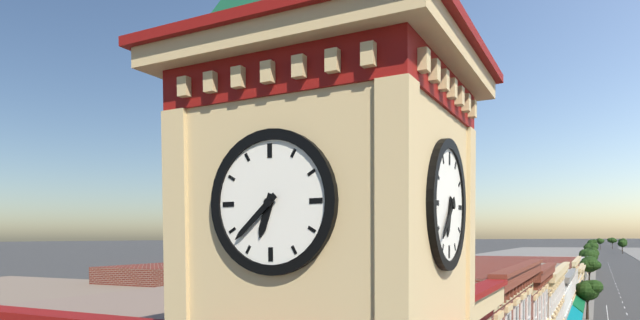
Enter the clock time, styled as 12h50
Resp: 6h38
